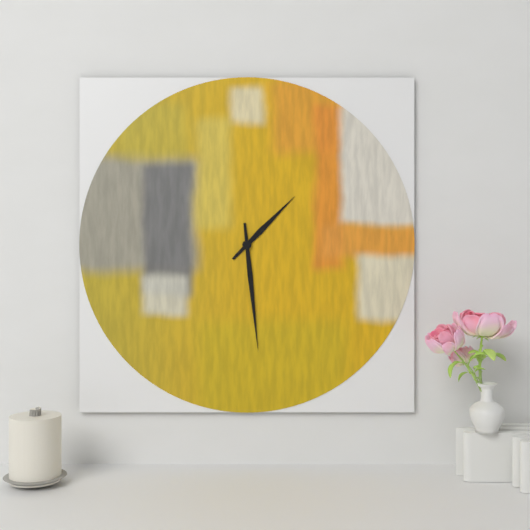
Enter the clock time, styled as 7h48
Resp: 1h29
